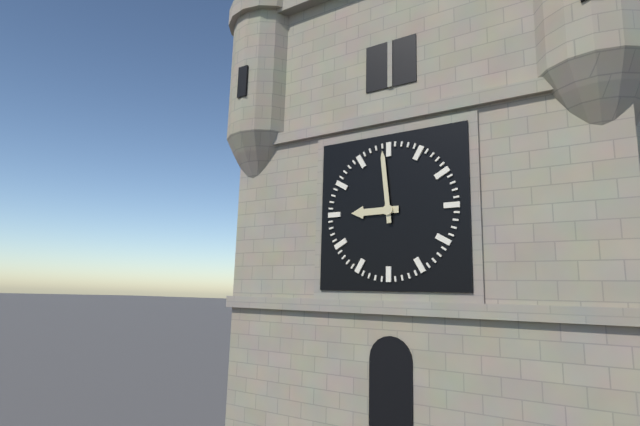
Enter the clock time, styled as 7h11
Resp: 8h59
